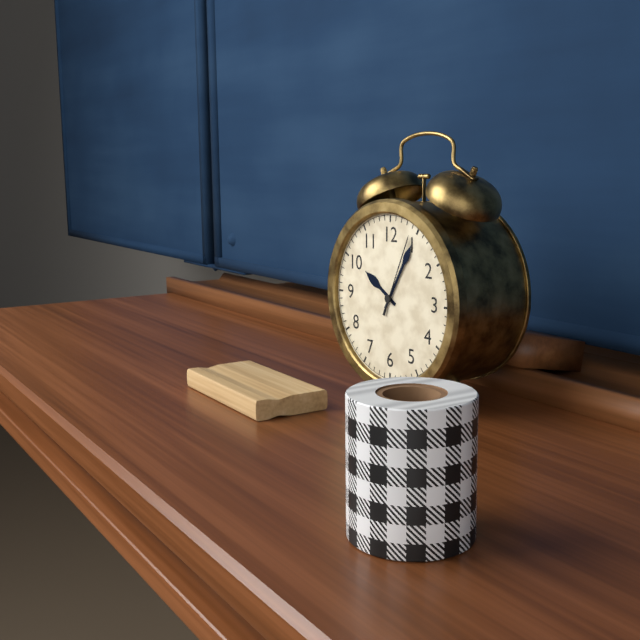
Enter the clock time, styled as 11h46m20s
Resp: 10h05m04s
